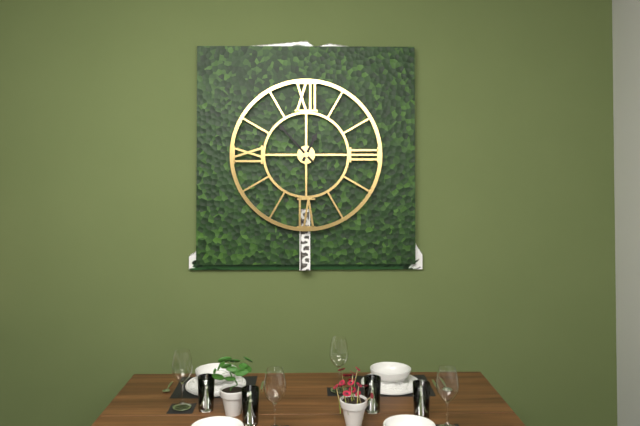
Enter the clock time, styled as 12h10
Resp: 12h53
